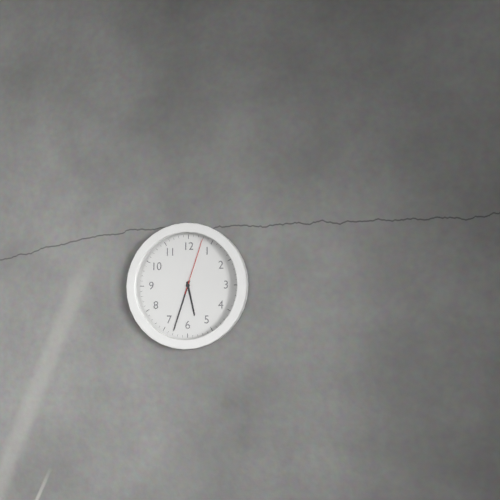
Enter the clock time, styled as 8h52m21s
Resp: 5h33m03s
